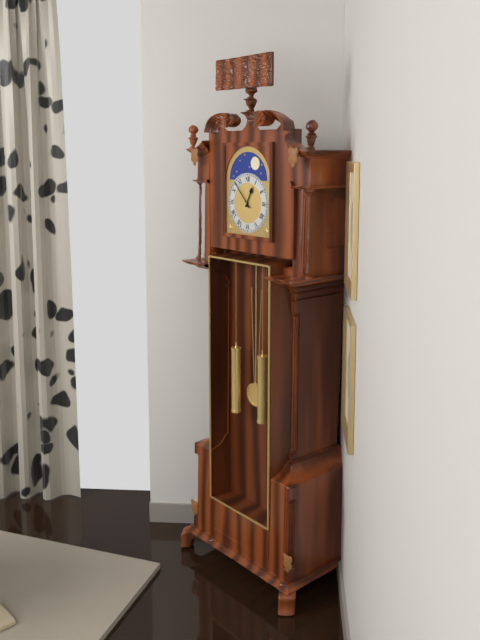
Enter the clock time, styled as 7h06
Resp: 12h53
